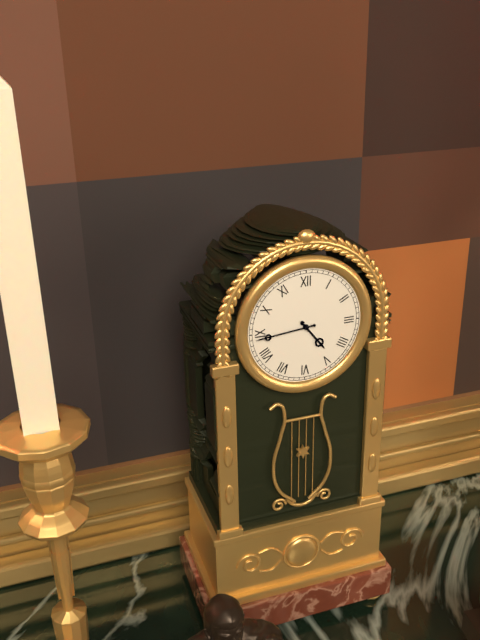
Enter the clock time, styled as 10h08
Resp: 4h44
